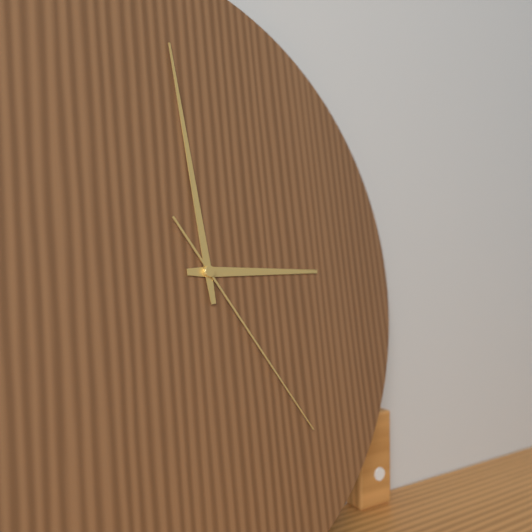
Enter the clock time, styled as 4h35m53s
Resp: 2h59m24s
